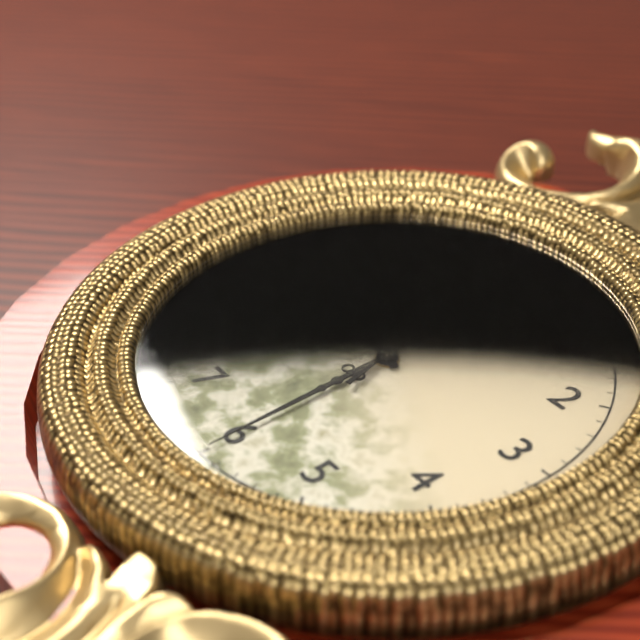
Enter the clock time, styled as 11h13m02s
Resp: 9h30m58s
